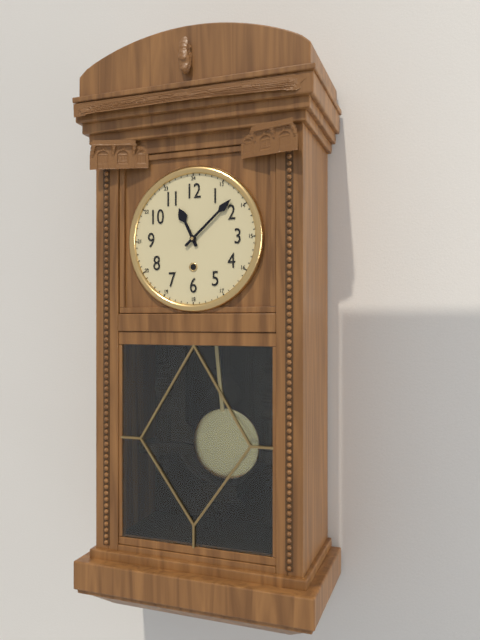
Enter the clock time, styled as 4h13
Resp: 11h08
